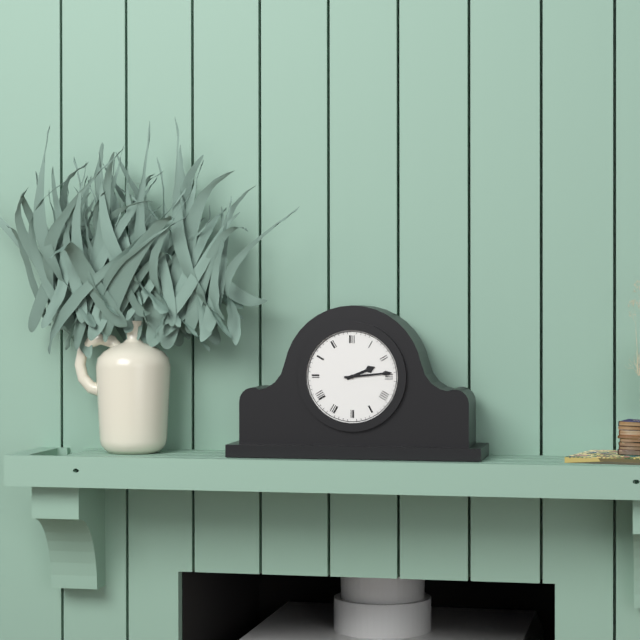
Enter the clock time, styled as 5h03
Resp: 2h14
